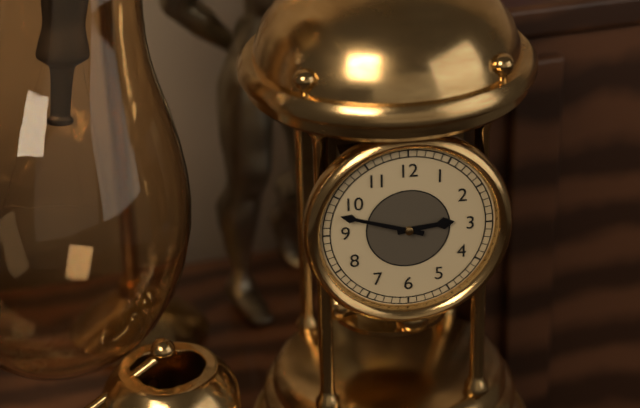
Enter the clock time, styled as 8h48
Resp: 2h48
